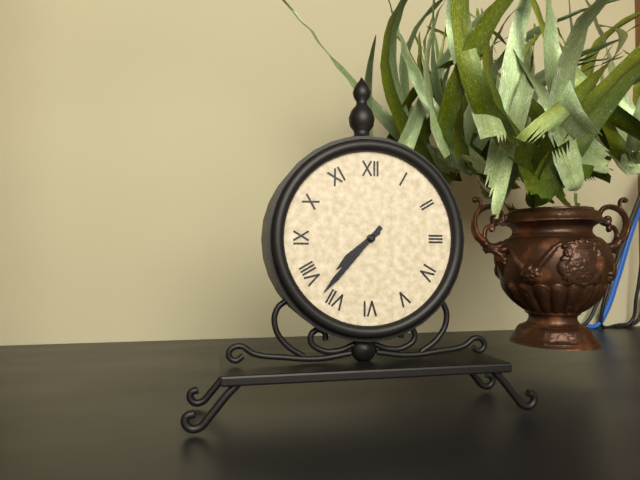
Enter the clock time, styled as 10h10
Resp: 7h37
